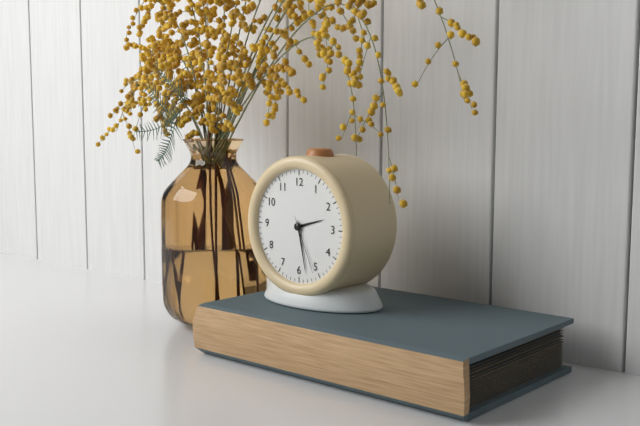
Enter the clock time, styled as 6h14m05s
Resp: 2h28m26s
